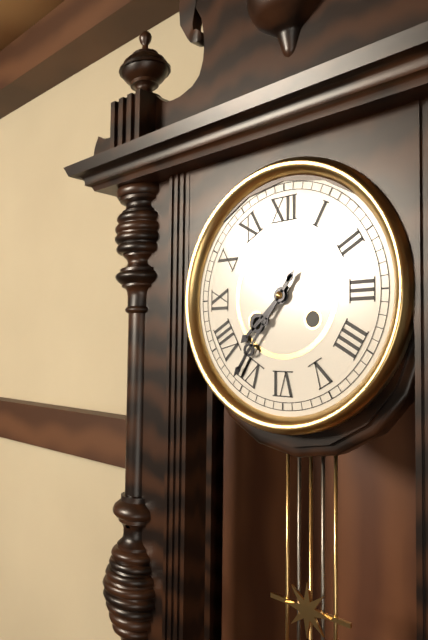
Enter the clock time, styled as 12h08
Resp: 7h36
